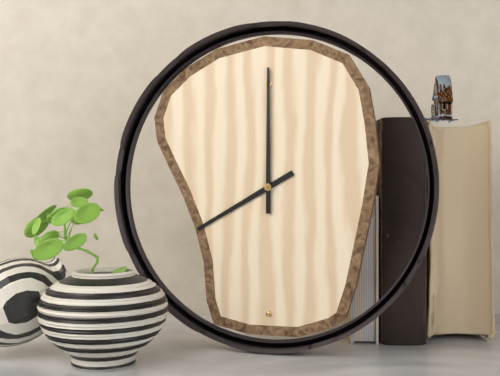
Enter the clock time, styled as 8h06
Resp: 8h00
